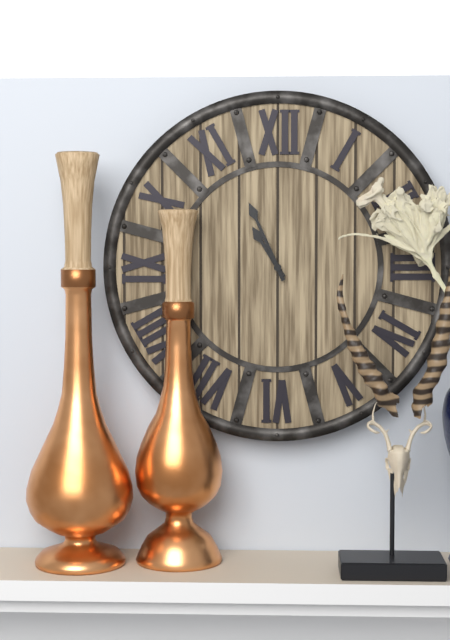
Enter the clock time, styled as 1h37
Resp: 10h56
